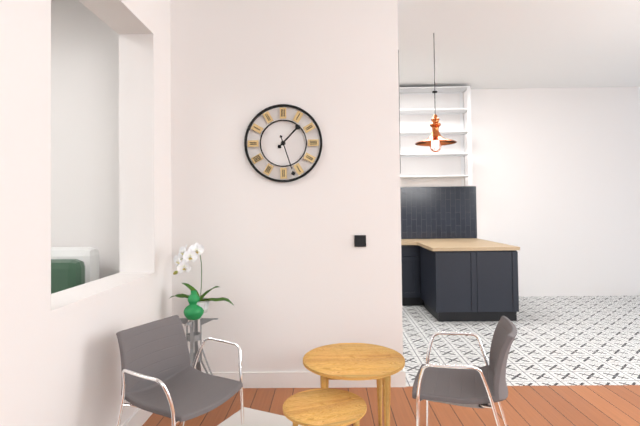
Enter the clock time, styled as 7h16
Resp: 1h27
